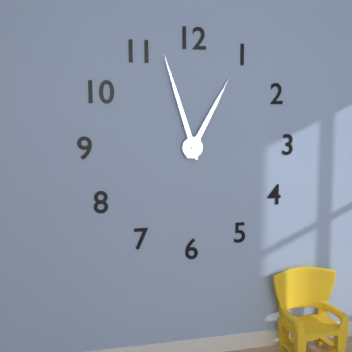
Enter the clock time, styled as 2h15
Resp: 12h57
